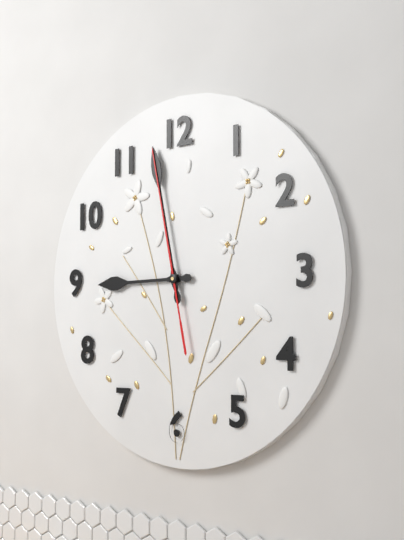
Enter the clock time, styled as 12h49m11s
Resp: 8h58m58s
